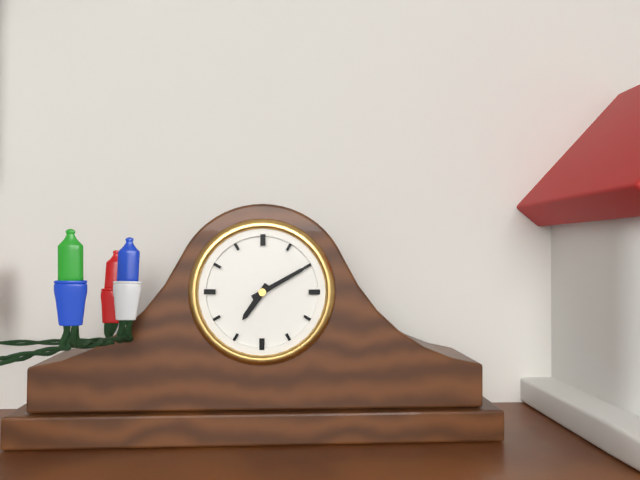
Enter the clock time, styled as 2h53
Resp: 7h10
